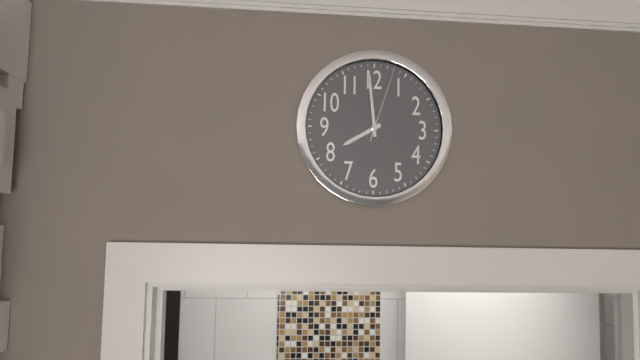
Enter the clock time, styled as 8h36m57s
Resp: 7h59m03s
